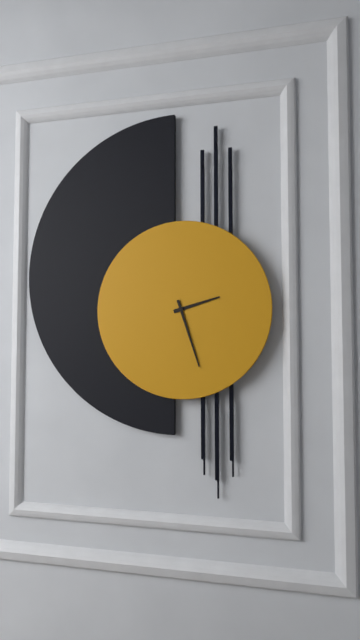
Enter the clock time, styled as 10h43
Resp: 2h27
